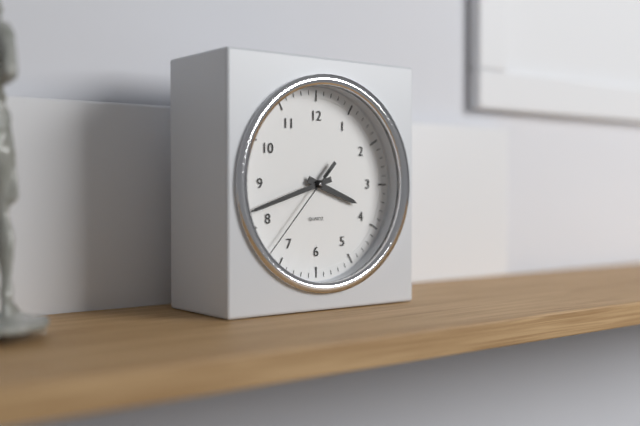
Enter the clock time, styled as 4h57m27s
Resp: 3h42m37s
